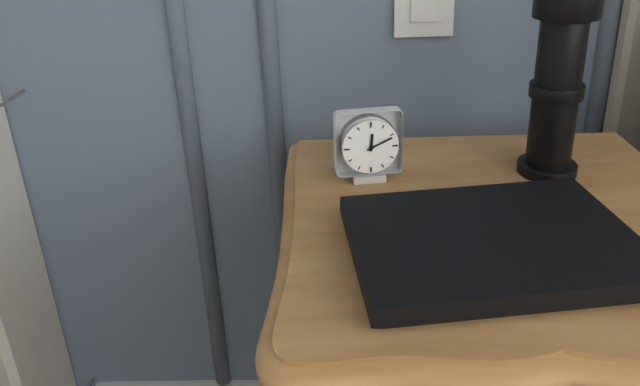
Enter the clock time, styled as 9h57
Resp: 12h11
